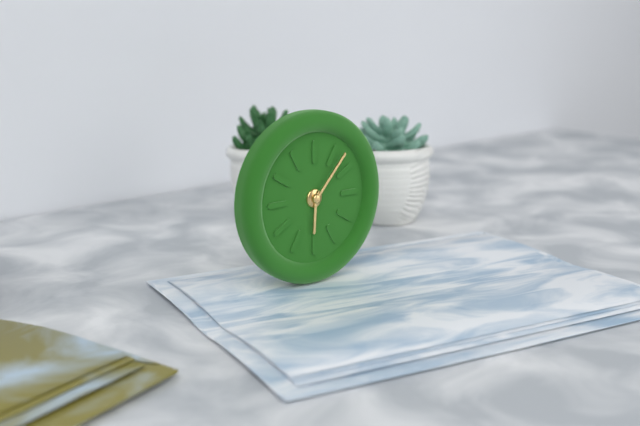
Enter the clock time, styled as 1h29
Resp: 6h07
